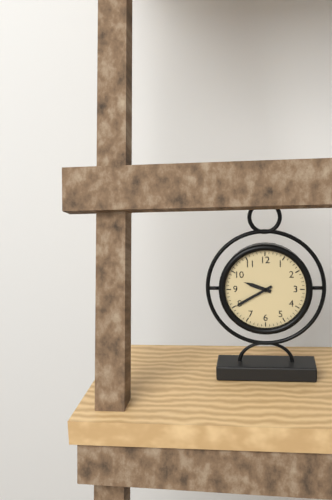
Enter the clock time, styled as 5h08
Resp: 9h40
